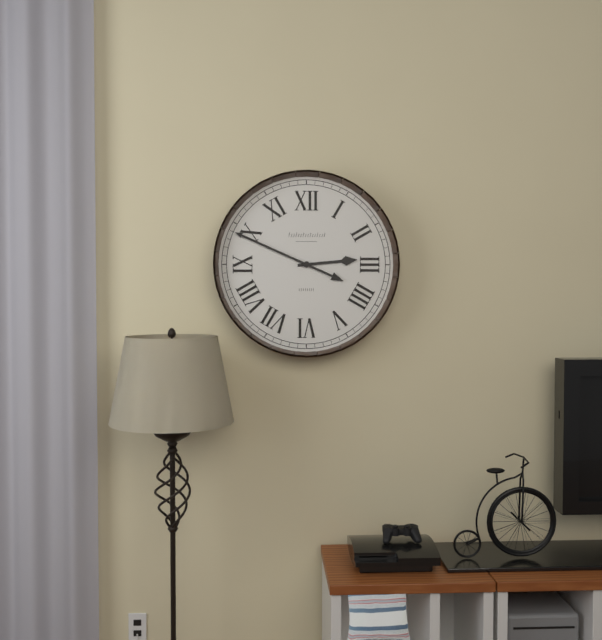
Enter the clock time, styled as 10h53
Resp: 2h49
